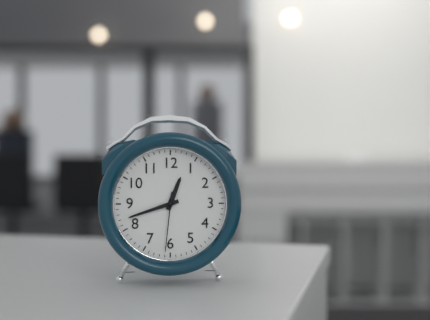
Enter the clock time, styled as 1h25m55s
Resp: 12h42m31s
